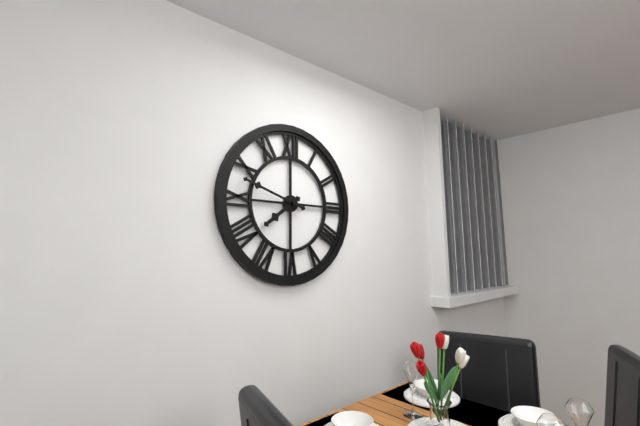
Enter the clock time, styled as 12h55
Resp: 7h48
